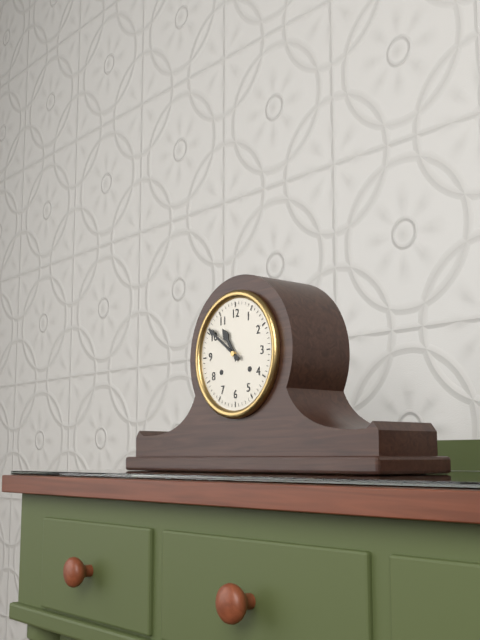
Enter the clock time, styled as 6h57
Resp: 10h51
